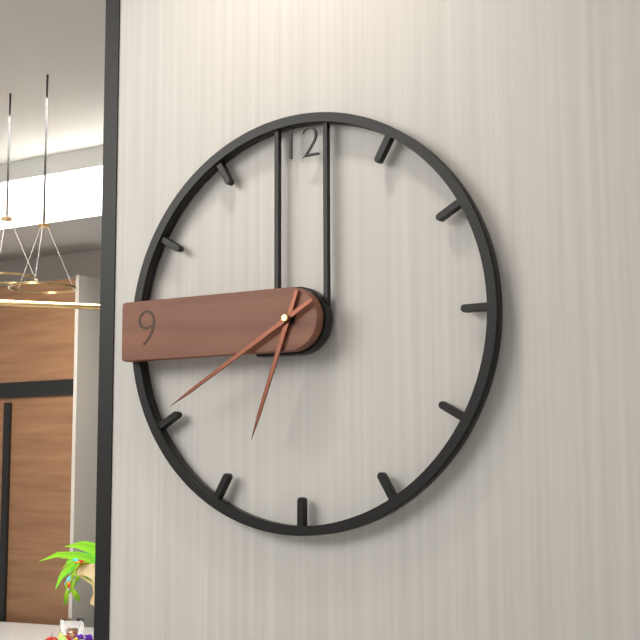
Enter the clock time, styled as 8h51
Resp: 6h40
